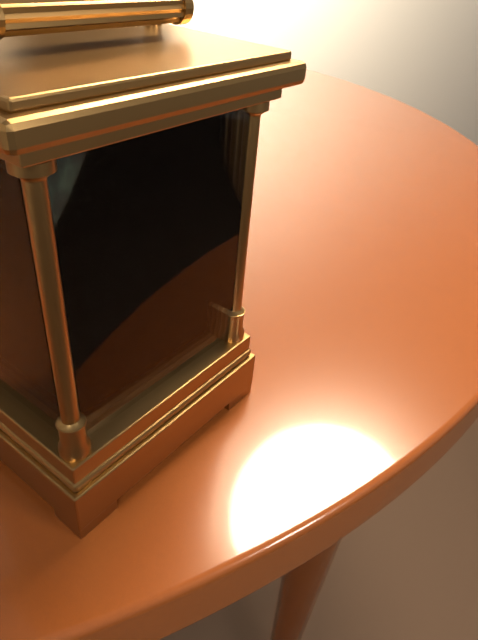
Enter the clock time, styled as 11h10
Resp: 3h21
